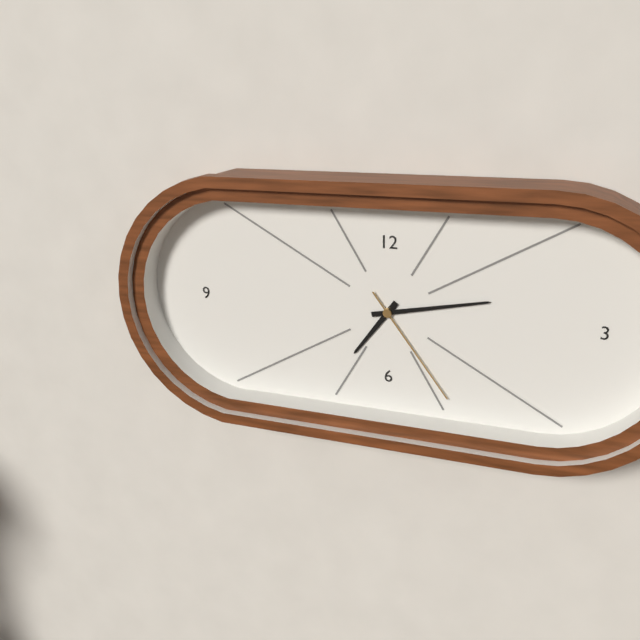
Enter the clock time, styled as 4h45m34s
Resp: 7h13m24s
